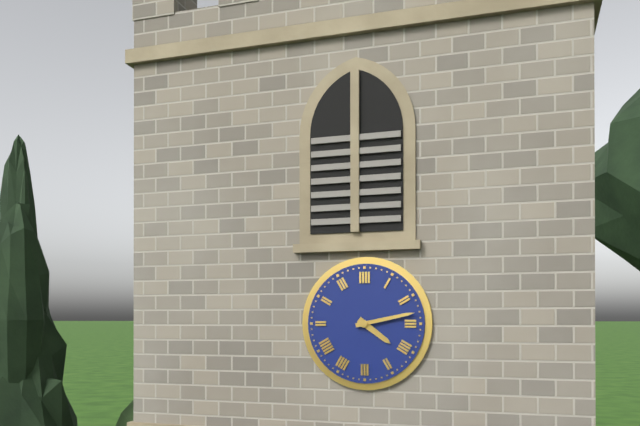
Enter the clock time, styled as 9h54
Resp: 4h13
